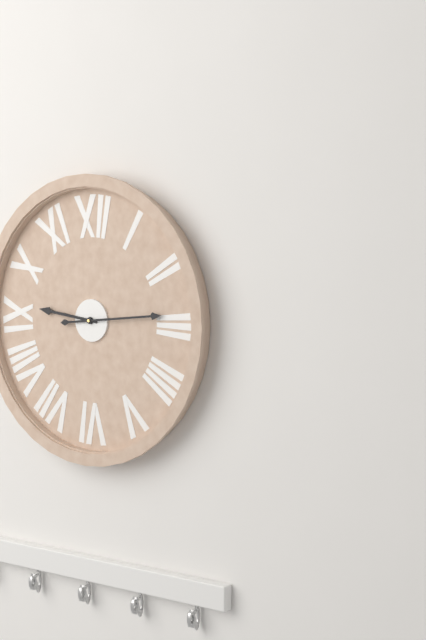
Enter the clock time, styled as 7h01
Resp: 9h14
